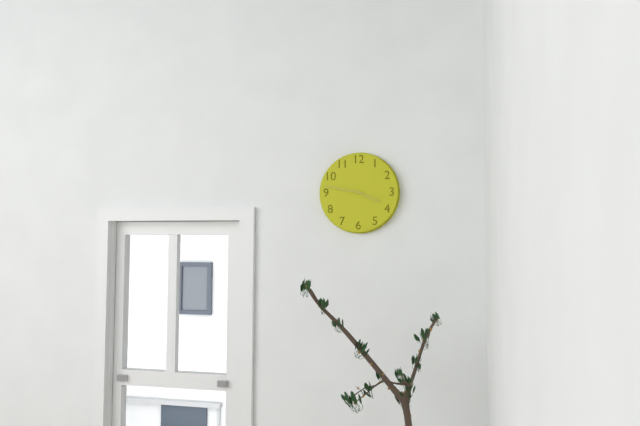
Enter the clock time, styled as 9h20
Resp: 3h47
